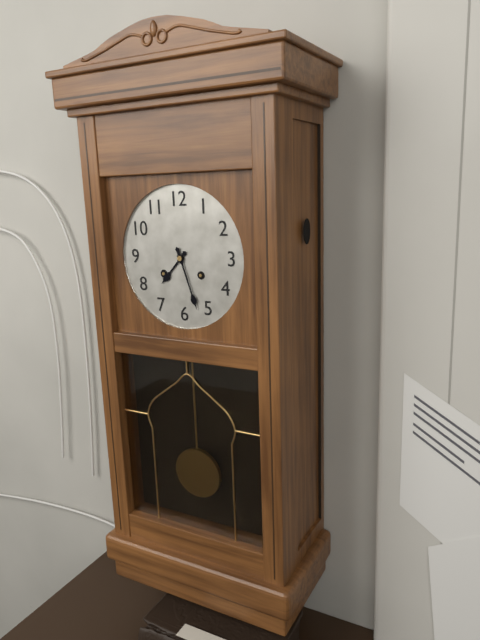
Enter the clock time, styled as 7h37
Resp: 7h27
